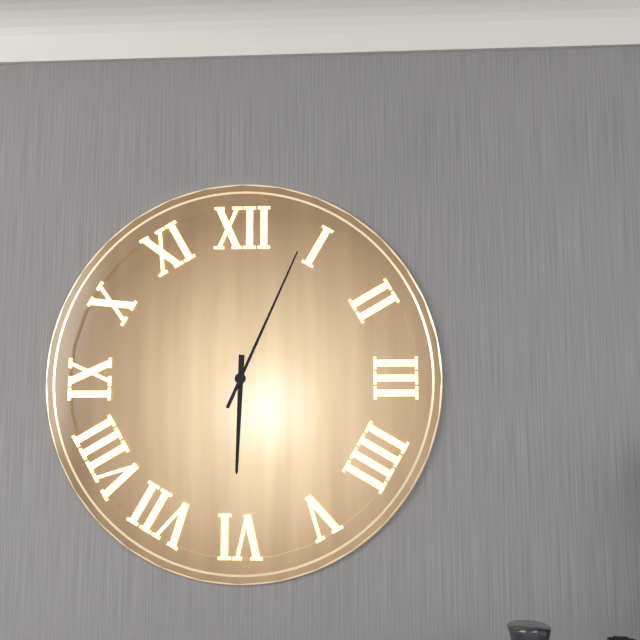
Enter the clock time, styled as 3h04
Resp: 6h04
